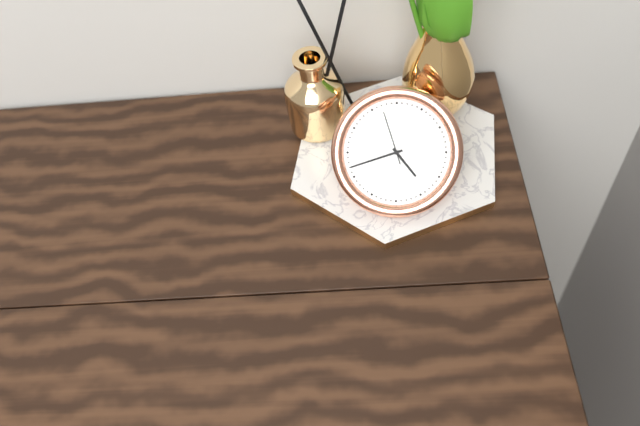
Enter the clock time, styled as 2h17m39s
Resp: 4h42m57s
